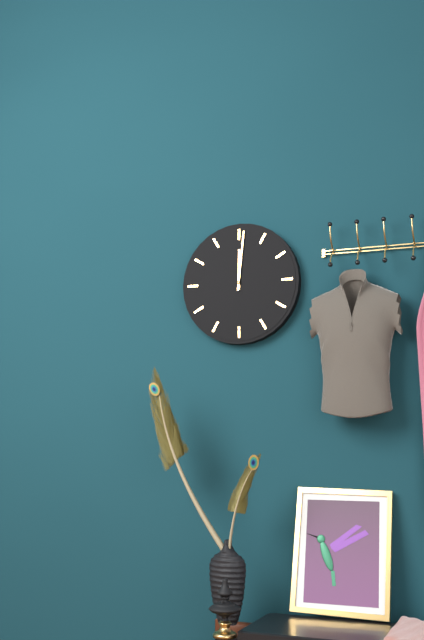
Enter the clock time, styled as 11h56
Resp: 12h01
